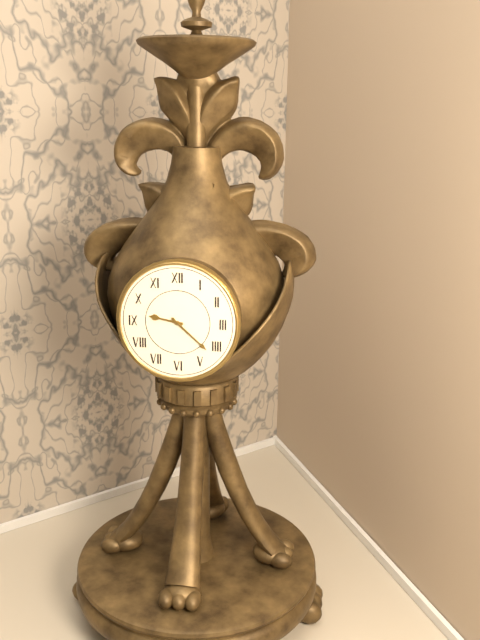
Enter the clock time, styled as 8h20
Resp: 9h22
